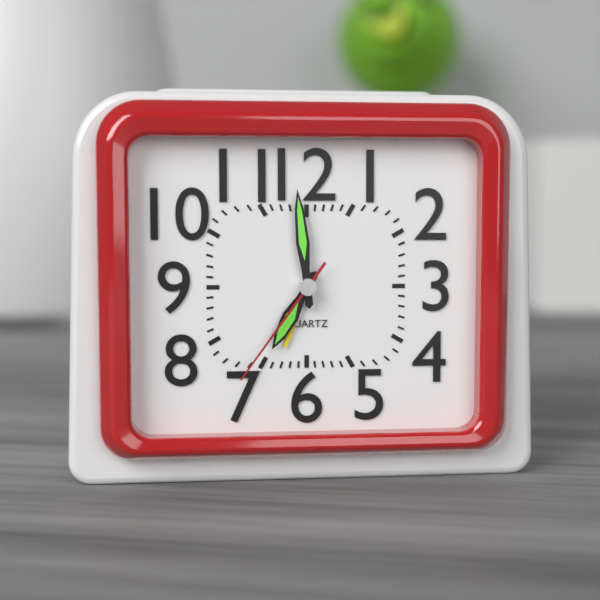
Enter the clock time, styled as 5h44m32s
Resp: 6h59m36s
